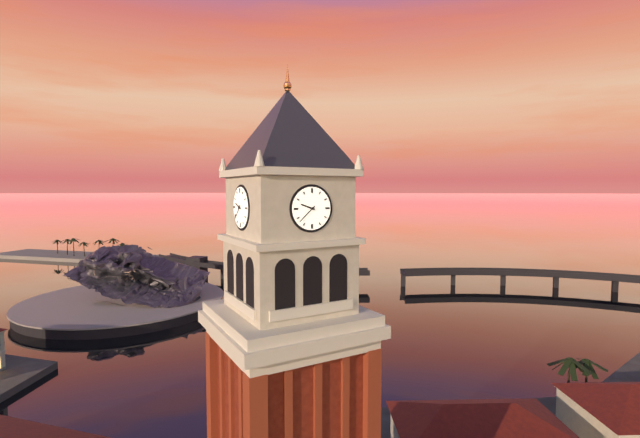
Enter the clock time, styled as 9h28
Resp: 9h38
